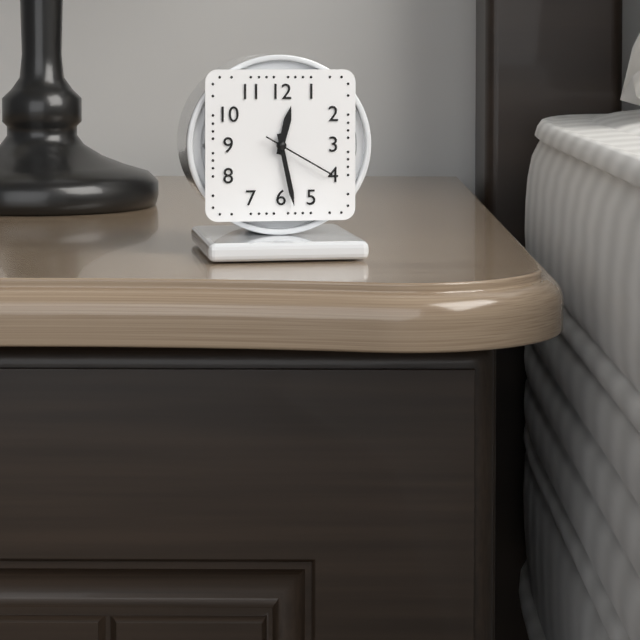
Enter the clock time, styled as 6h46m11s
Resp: 12h28m20s
